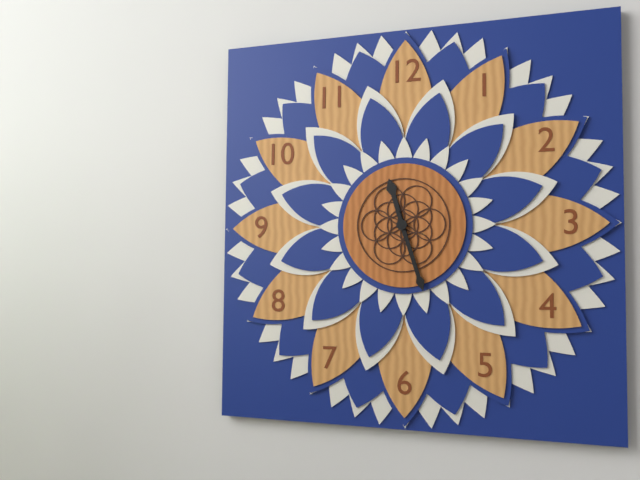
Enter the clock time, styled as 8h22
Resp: 11h27
